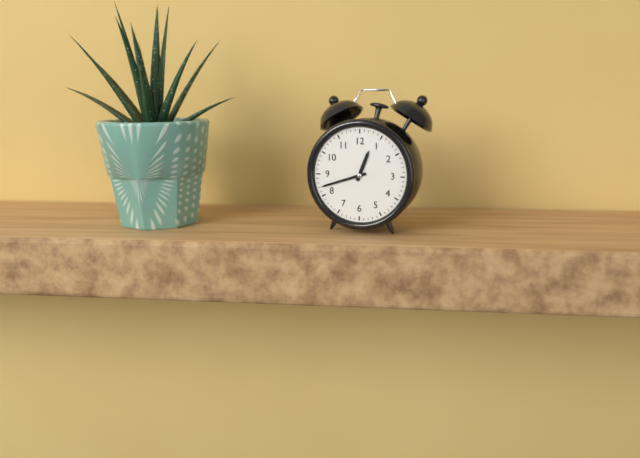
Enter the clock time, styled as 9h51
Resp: 12h42
